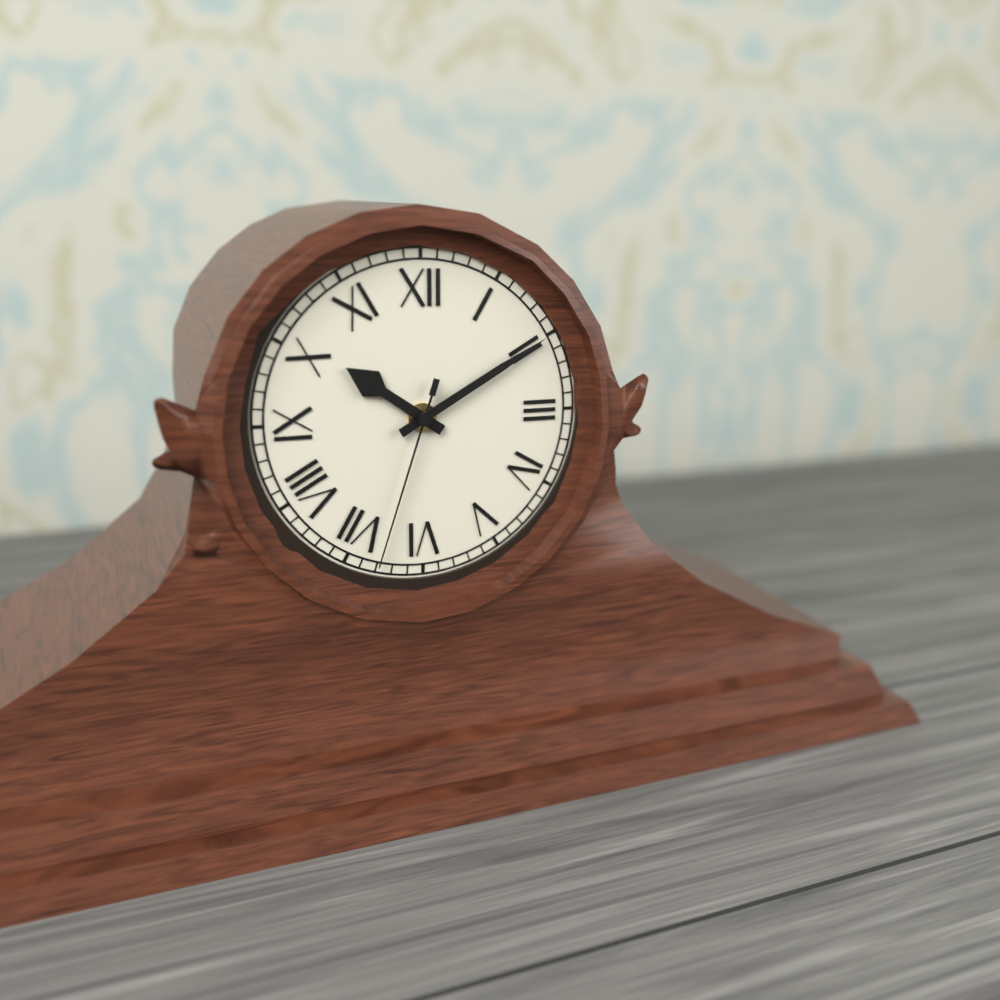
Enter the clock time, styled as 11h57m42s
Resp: 10h10m33s
